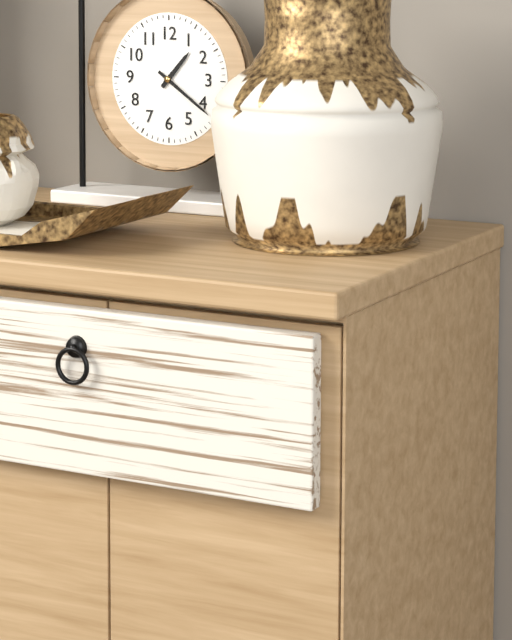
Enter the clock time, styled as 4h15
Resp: 1h21
